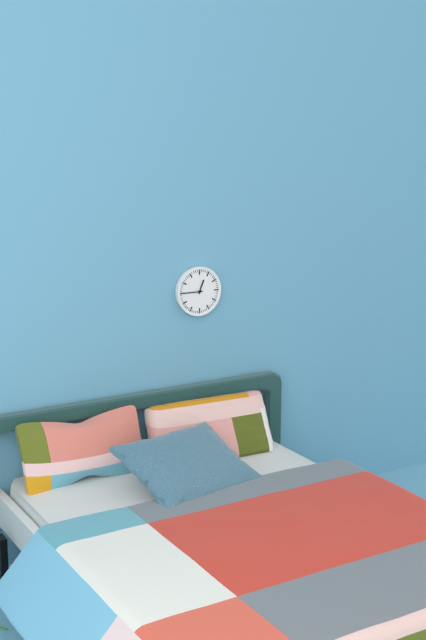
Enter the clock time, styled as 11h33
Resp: 12h45
